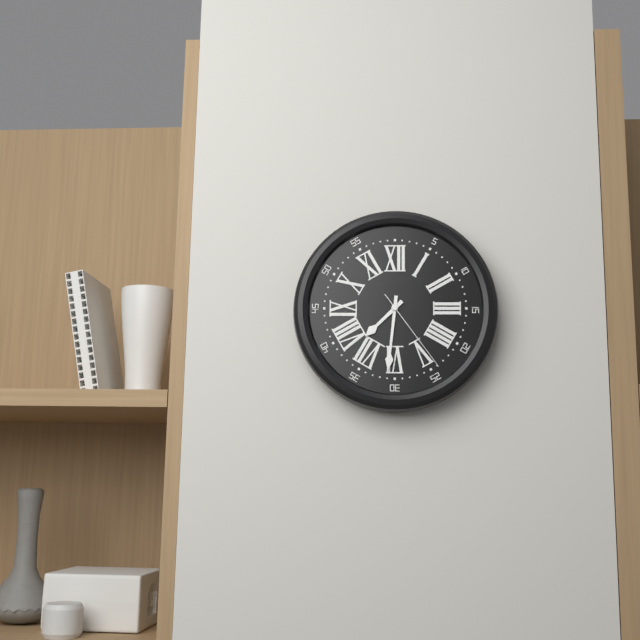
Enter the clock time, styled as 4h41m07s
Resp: 7h31m24s
